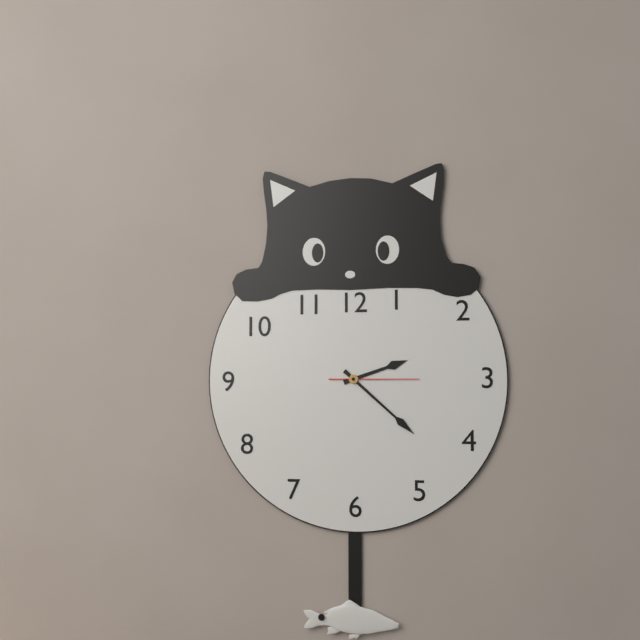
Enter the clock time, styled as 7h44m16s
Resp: 2h22m15s
